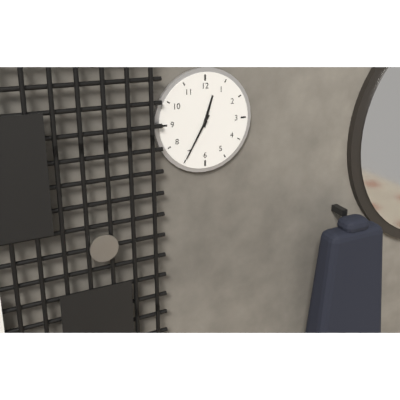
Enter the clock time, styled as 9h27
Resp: 12h35
